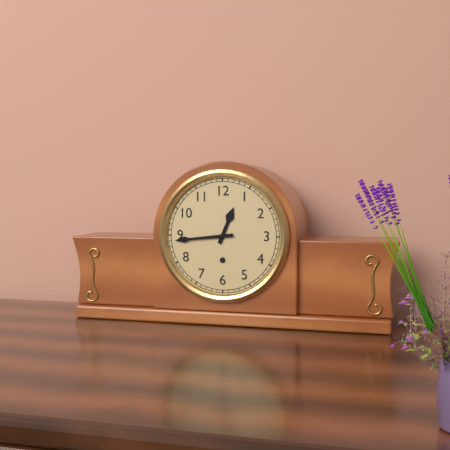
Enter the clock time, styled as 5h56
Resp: 12h44
